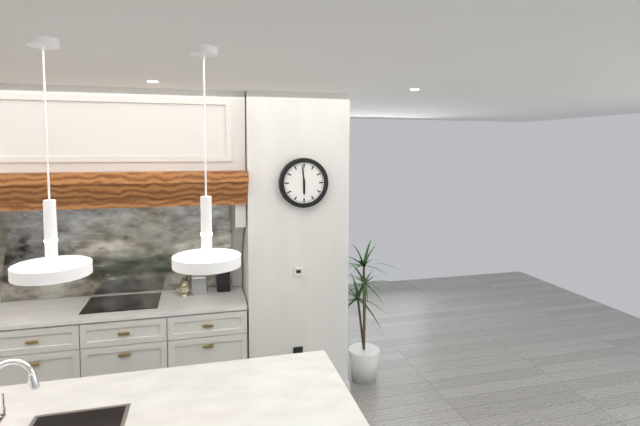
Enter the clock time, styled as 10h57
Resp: 5h59
